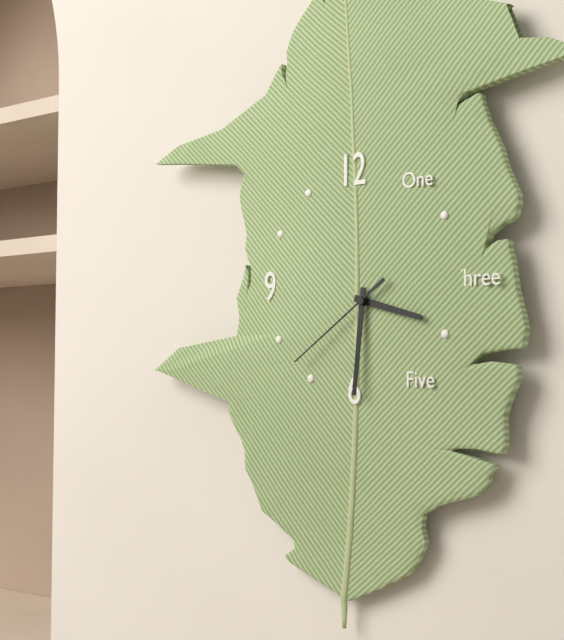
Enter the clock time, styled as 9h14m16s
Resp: 3h31m39s
